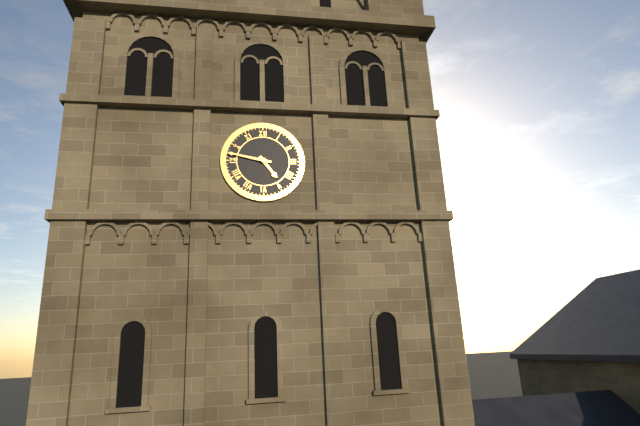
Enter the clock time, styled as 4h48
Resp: 4h47
